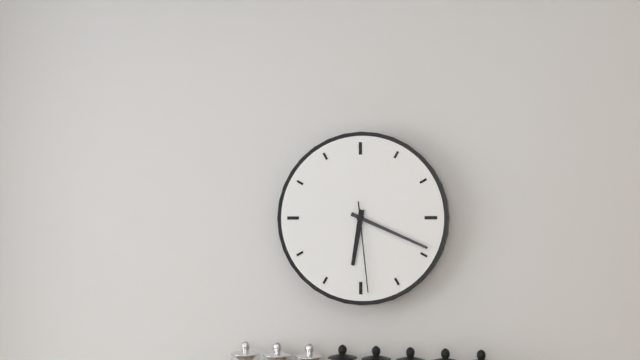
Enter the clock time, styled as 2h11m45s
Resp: 6h19m29s
